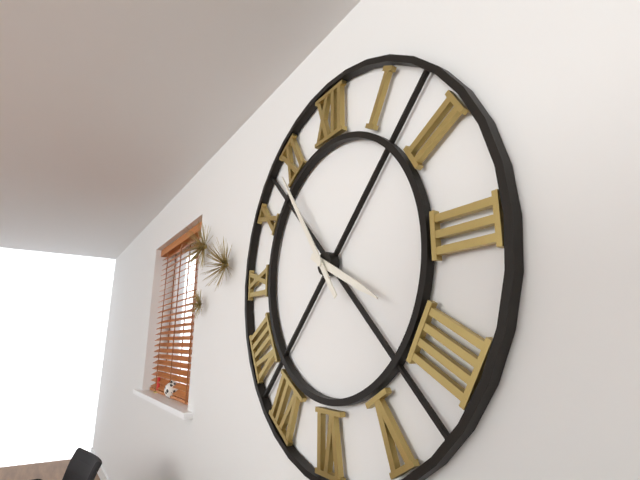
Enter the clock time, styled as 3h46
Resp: 3h54
